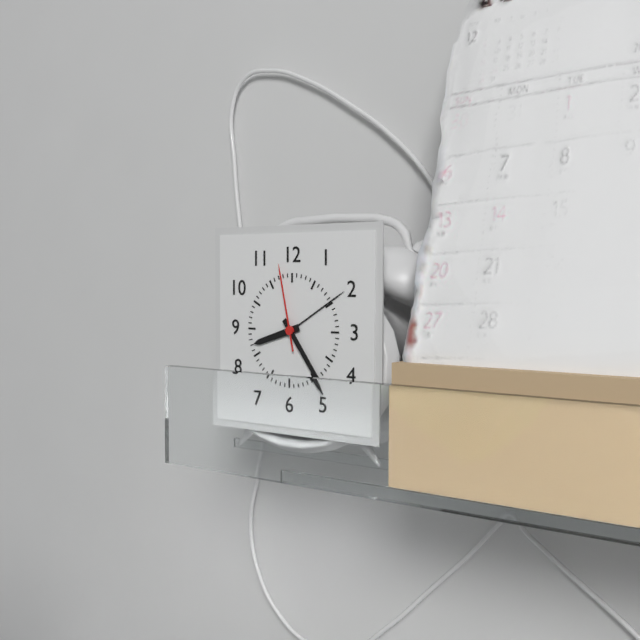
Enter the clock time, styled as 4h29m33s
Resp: 8h24m58s
